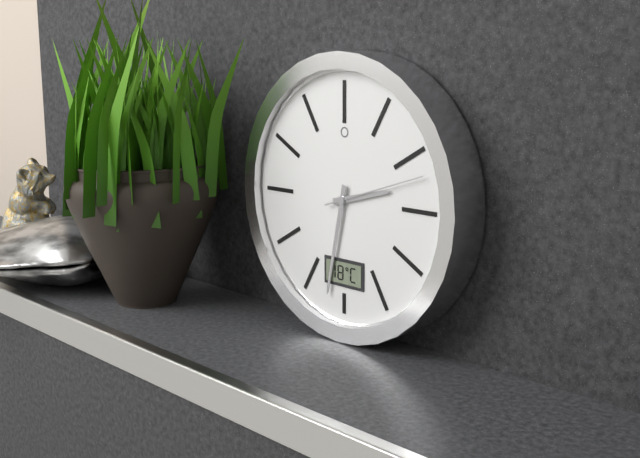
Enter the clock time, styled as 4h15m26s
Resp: 2h32m12s
